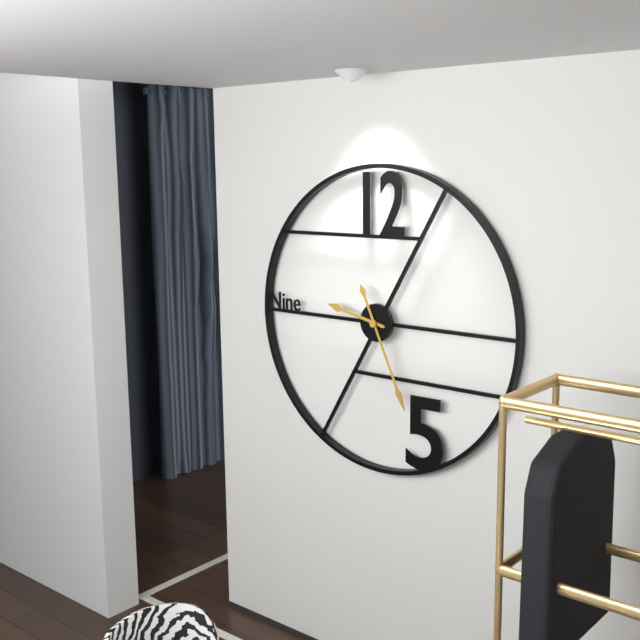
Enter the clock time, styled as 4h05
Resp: 9h26
